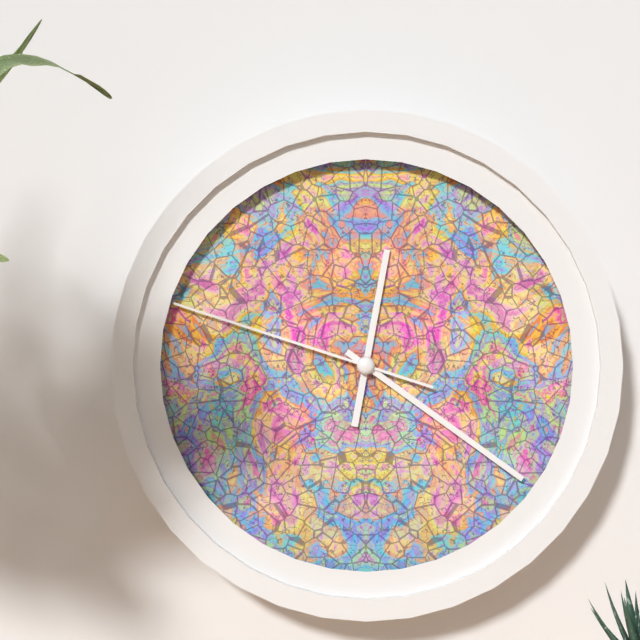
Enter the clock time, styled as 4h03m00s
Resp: 12h21m48s
